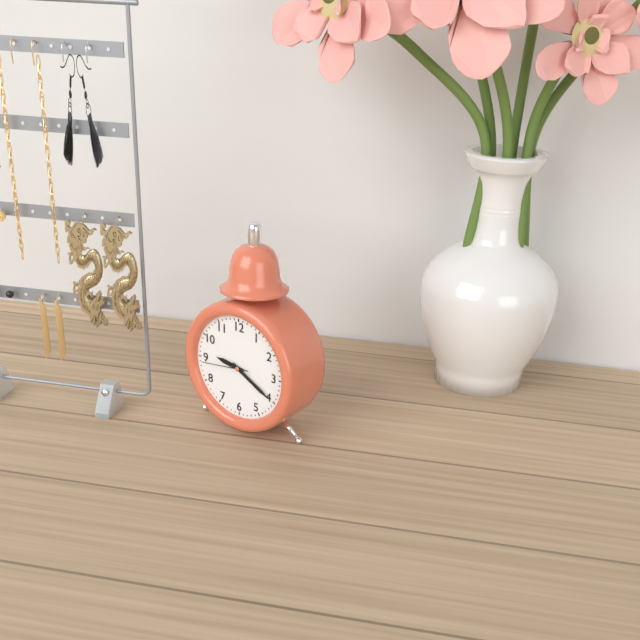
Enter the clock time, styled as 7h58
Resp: 9h20
